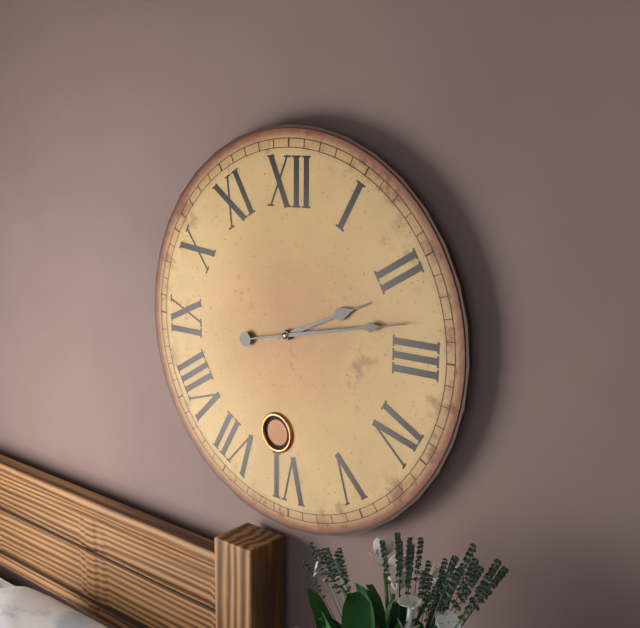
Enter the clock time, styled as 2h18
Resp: 2h13
